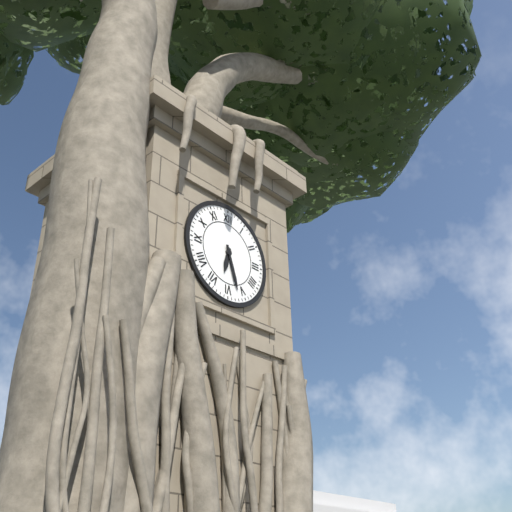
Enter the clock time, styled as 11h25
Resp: 6h27
